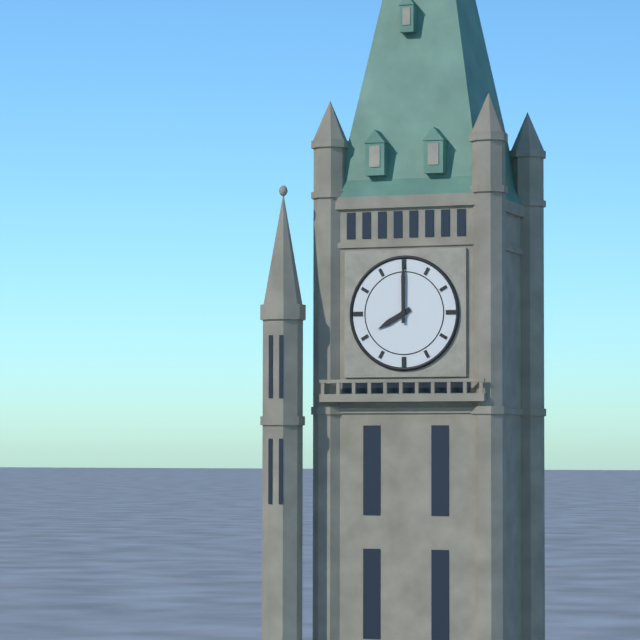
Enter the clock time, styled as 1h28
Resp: 8h00
